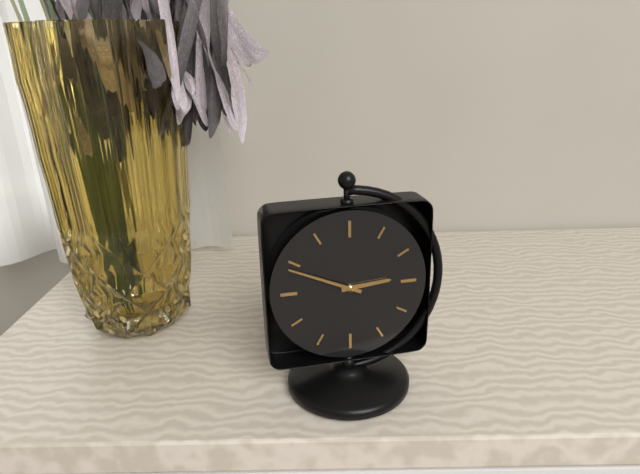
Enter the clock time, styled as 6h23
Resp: 2h49
